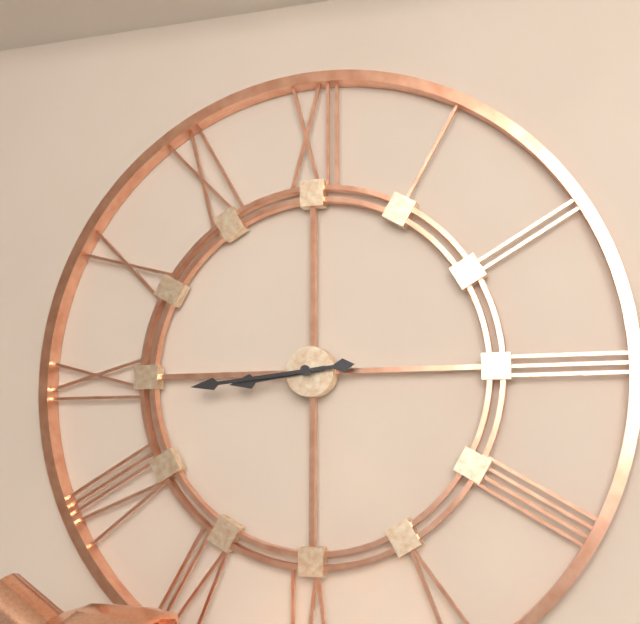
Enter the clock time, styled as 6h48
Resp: 8h44
